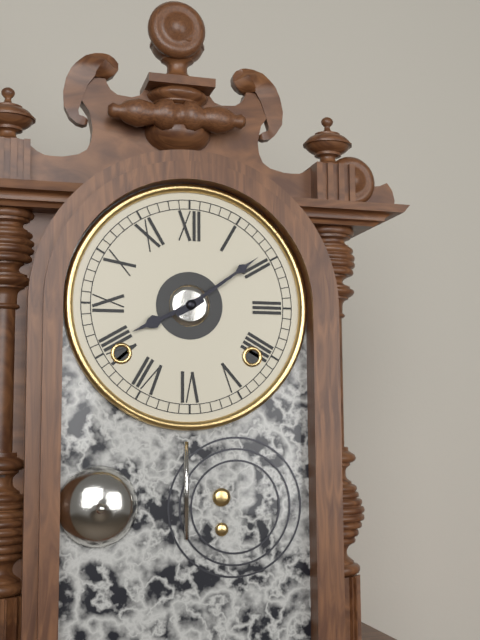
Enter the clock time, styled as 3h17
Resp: 8h09
